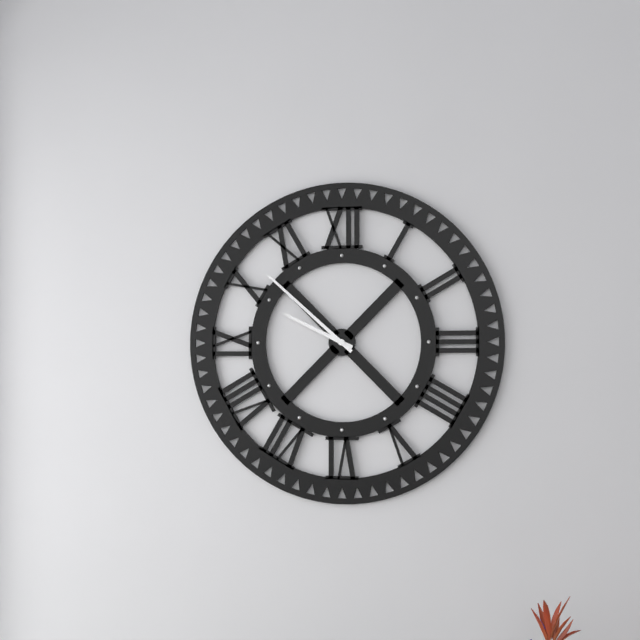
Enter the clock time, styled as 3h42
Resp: 9h52
